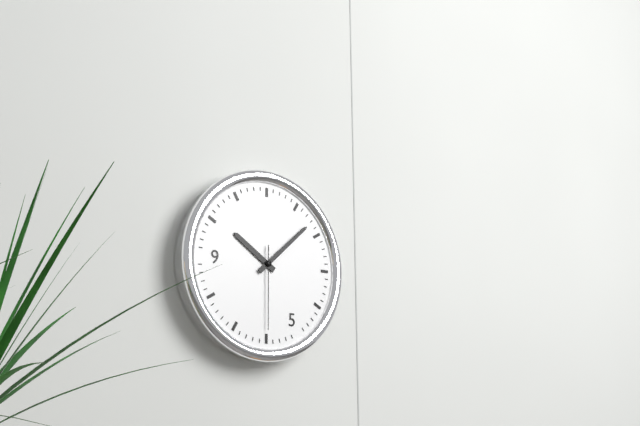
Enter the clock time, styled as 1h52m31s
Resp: 10h08m30s
